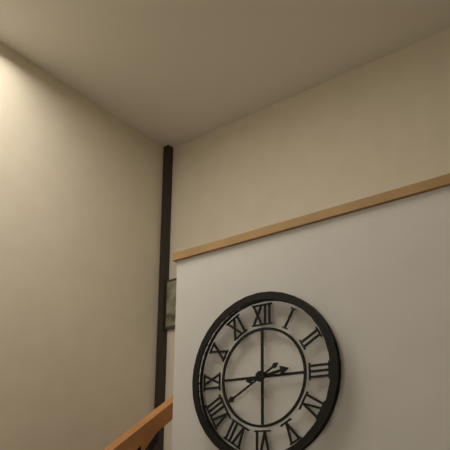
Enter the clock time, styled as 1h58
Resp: 2h40
